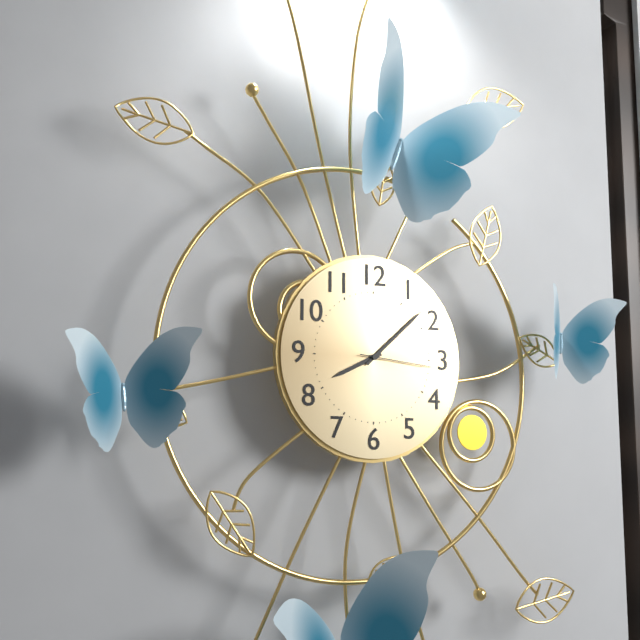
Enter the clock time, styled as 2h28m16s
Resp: 8h08m16s
